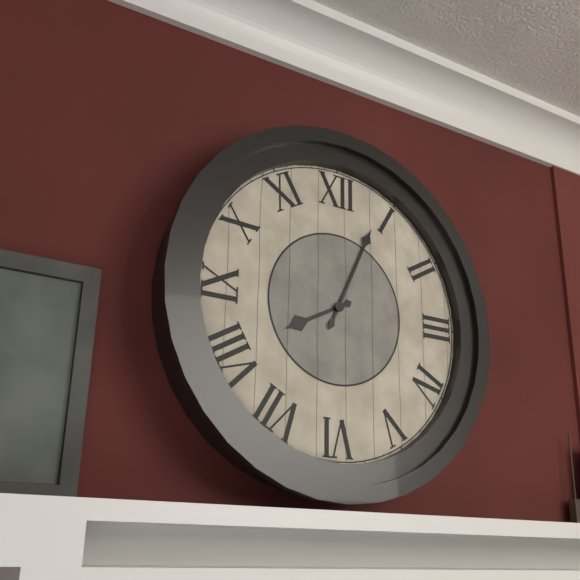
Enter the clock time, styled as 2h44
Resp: 8h04
